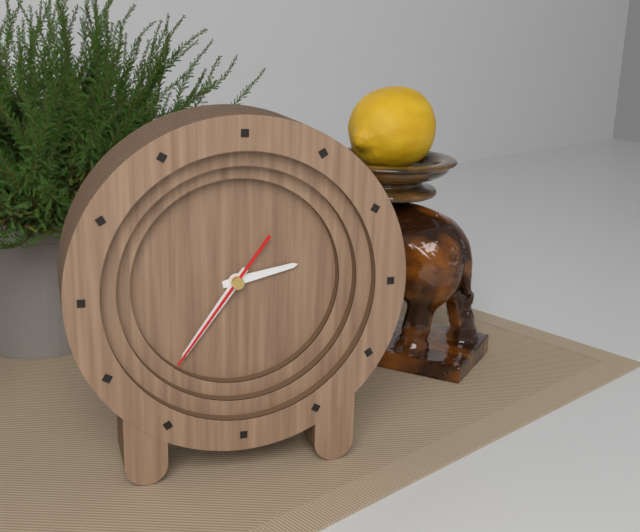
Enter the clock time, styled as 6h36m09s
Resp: 2h36m36s
